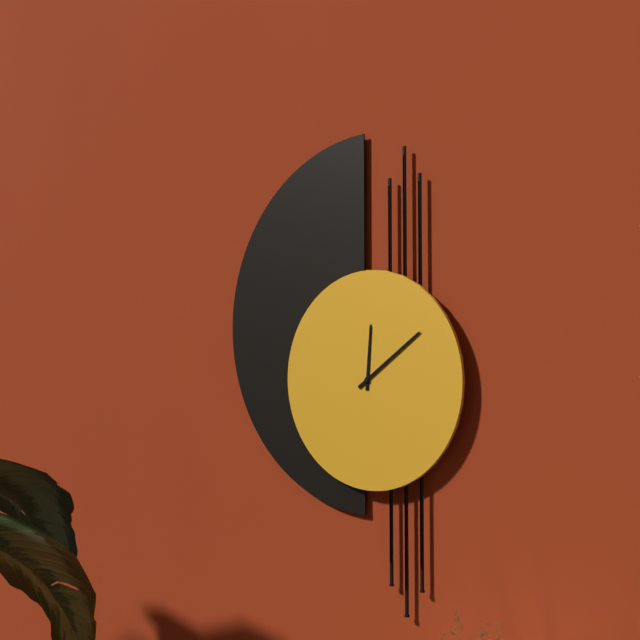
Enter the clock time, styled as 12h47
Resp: 12h09
